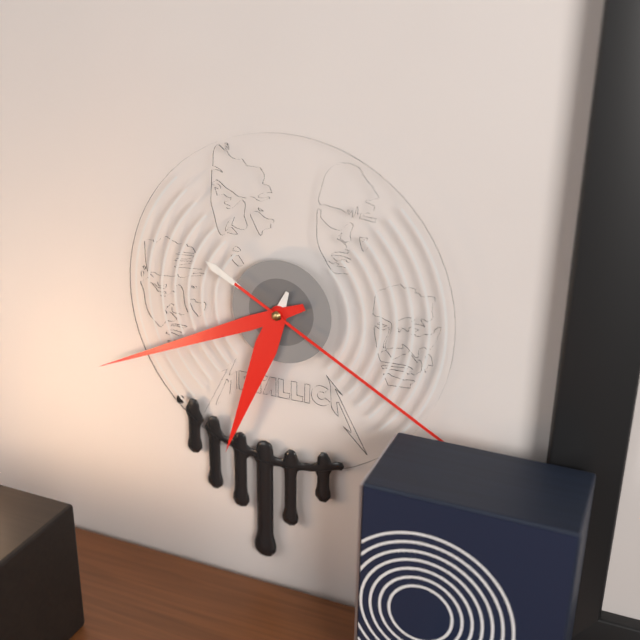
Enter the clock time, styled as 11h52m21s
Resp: 6h41m20s
